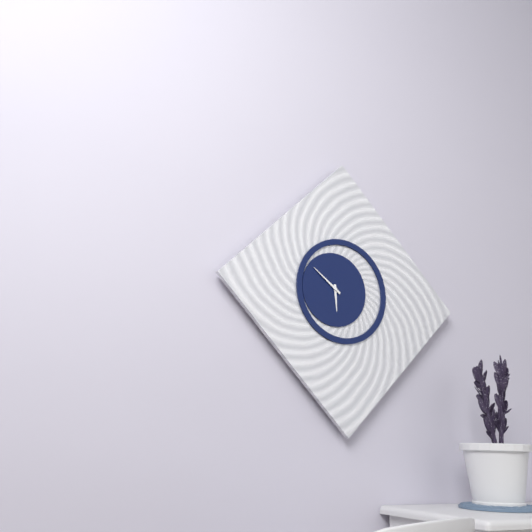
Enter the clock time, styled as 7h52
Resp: 5h51
